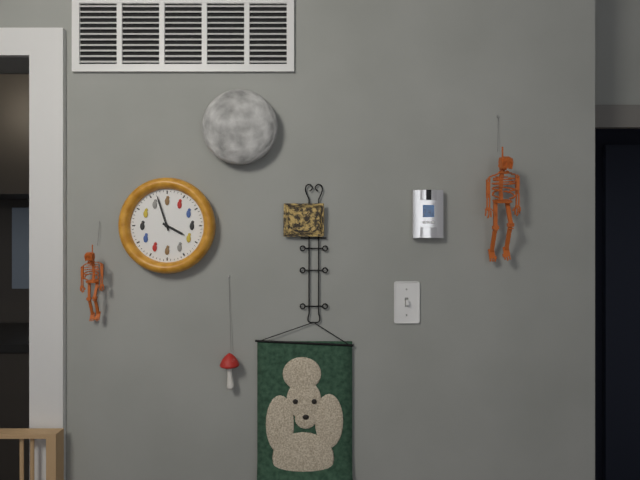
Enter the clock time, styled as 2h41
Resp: 3h57
